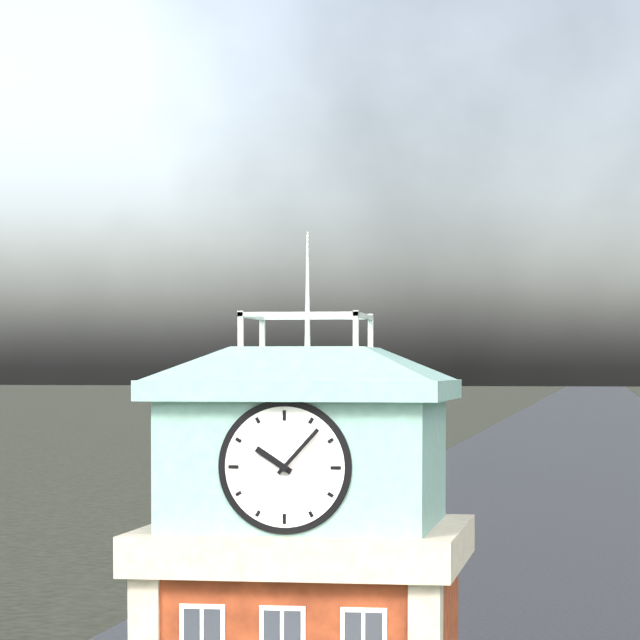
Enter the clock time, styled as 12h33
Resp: 10h07
